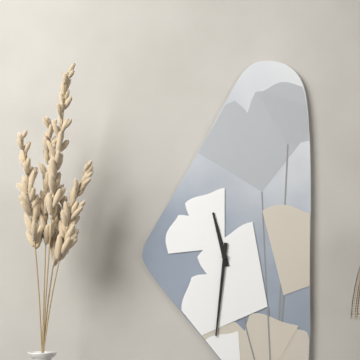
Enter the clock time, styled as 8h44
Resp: 11h31
